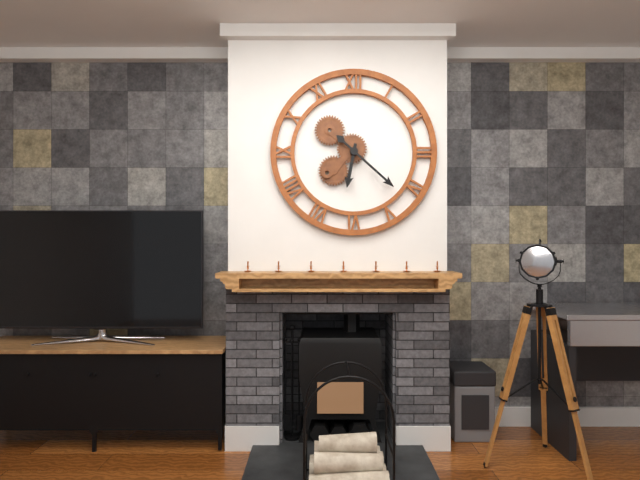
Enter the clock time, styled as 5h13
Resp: 6h22
